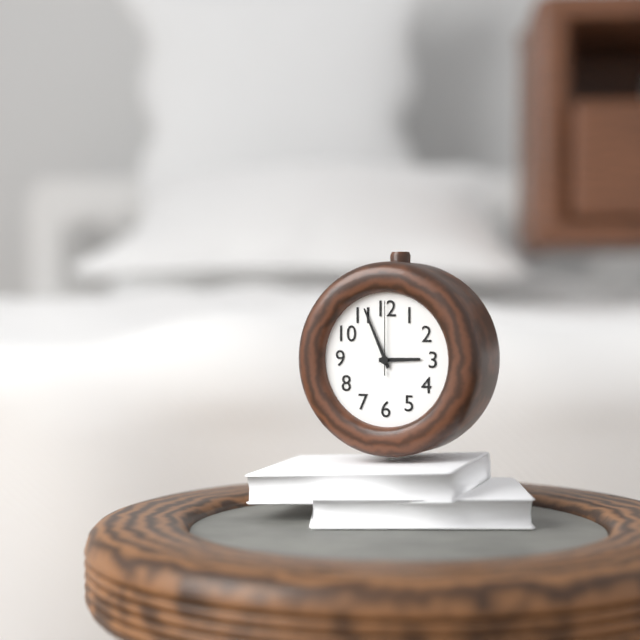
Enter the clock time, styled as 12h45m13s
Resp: 2h56m00s
